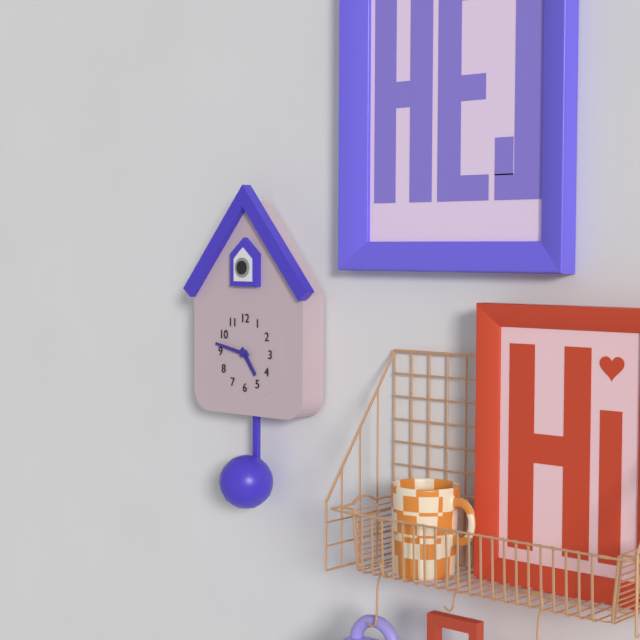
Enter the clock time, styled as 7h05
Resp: 4h47
